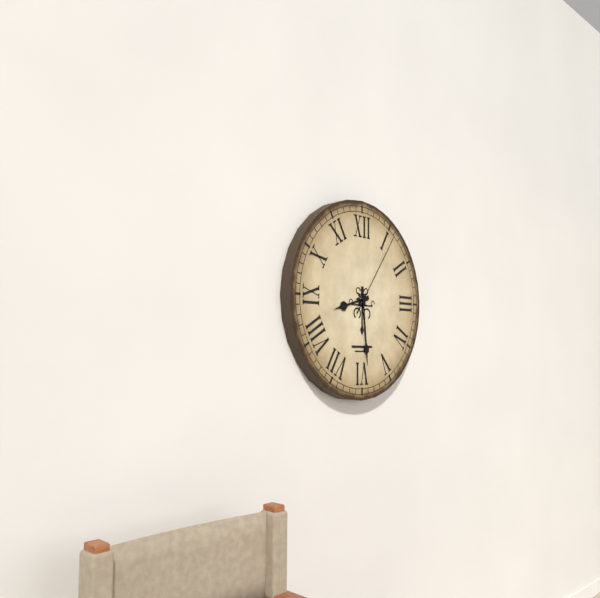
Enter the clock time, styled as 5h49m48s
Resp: 8h29m06s
